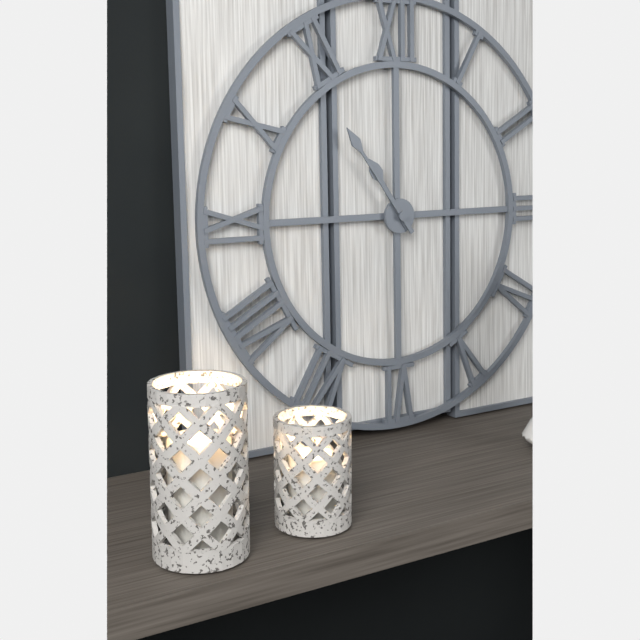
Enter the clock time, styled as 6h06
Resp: 10h54
